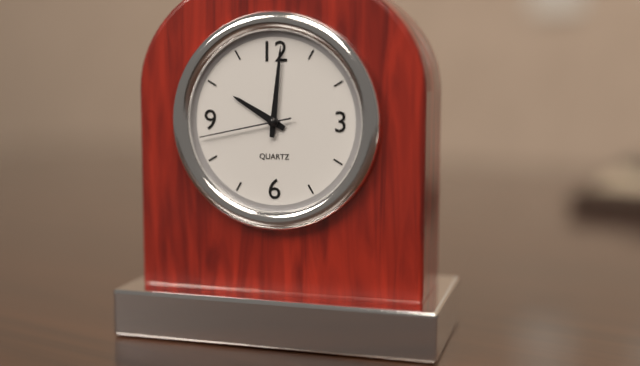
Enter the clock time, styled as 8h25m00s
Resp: 10h01m43s
